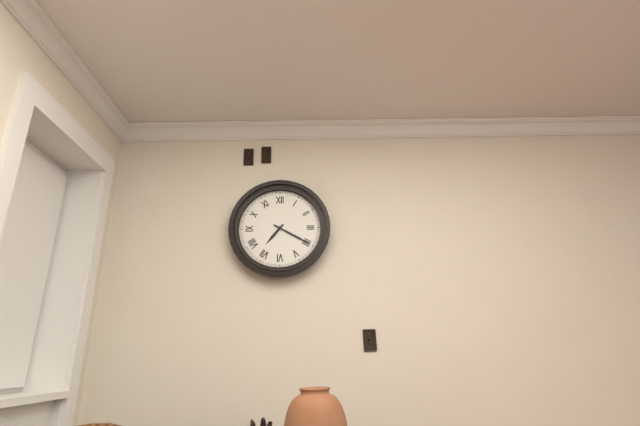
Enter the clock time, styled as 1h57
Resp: 7h20
